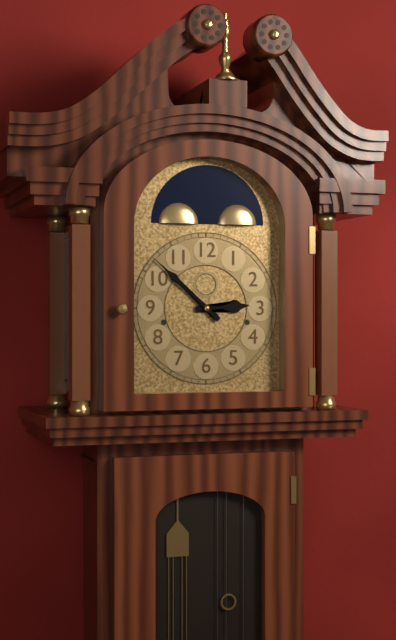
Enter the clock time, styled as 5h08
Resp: 2h52
